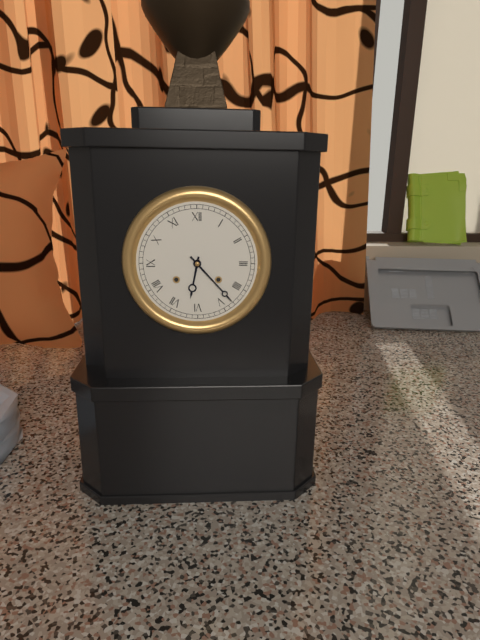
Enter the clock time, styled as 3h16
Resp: 6h23
